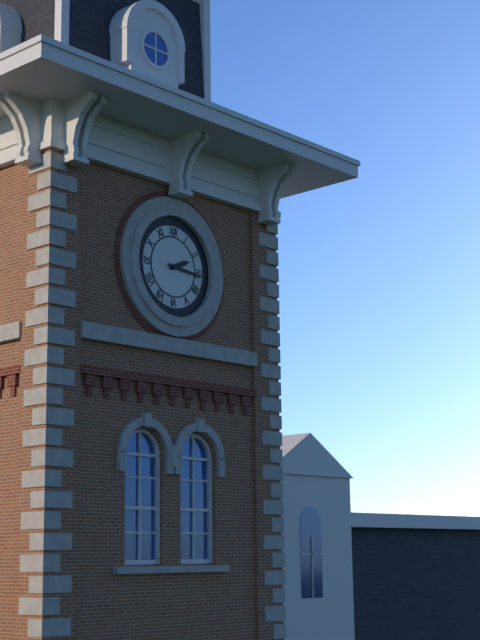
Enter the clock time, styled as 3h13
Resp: 2h16
